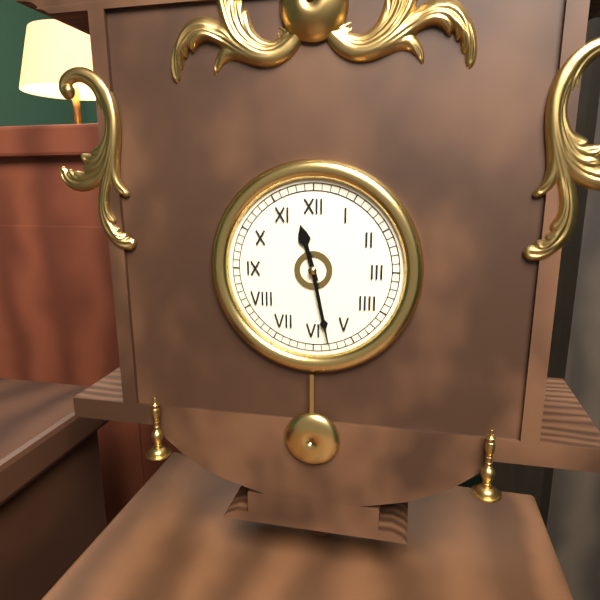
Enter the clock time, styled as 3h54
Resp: 11h28
